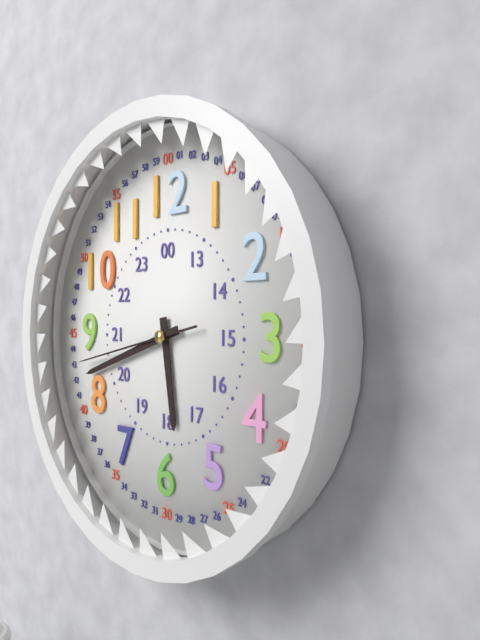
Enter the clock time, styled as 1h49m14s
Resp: 5h42m43s
